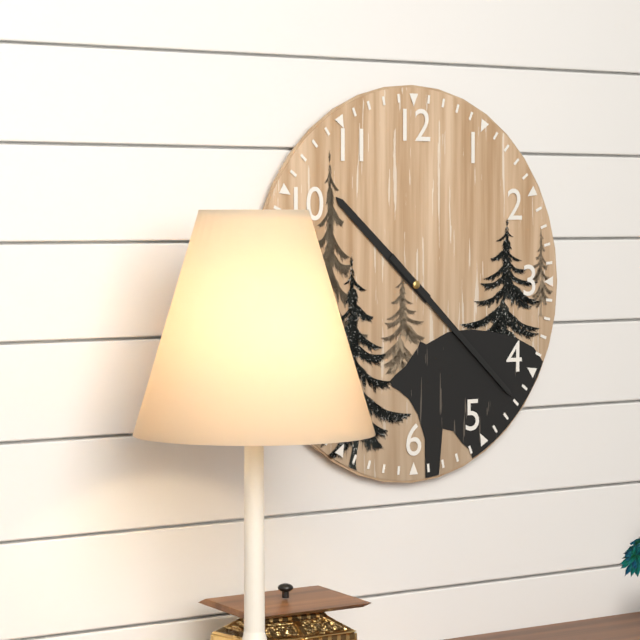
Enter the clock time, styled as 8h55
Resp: 10h22
